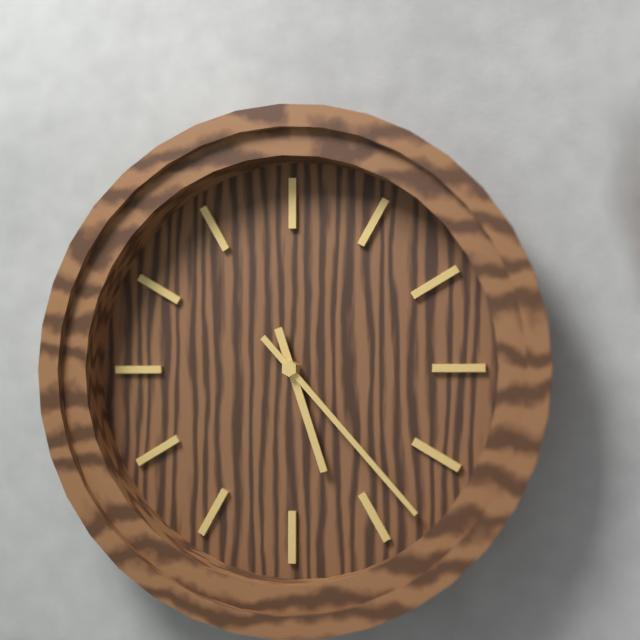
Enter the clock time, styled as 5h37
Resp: 5h23
